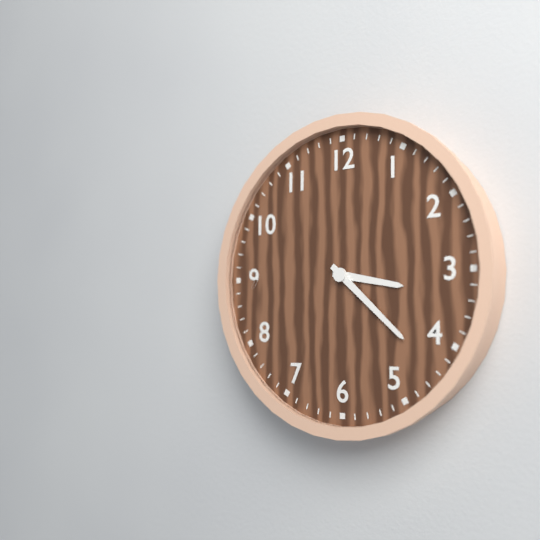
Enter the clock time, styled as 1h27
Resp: 3h22
